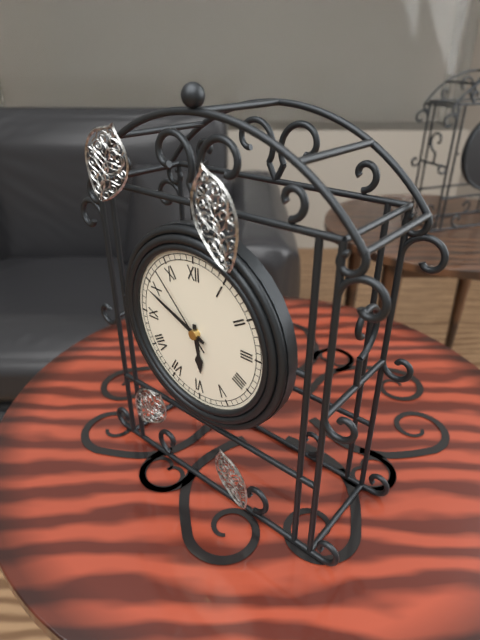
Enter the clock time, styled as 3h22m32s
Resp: 5h49m53s
